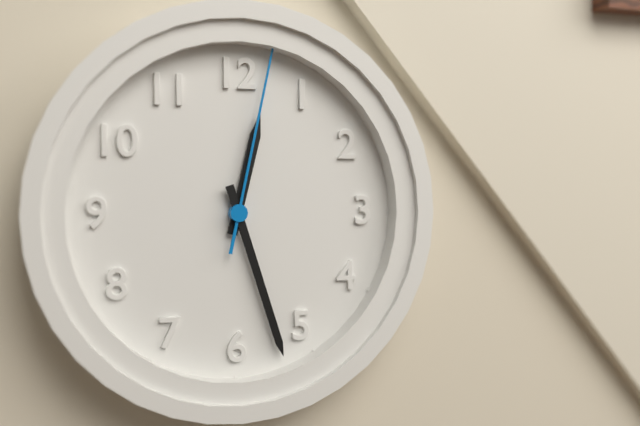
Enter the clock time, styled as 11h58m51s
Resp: 12h27m02s
